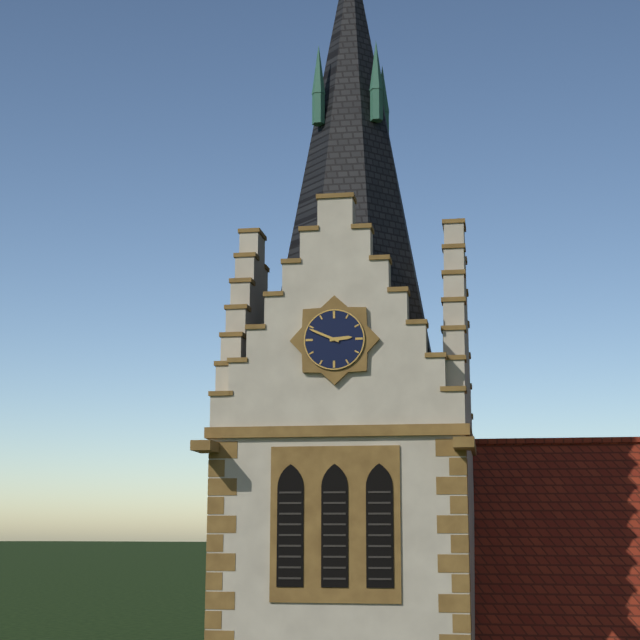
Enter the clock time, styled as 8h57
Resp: 2h49
